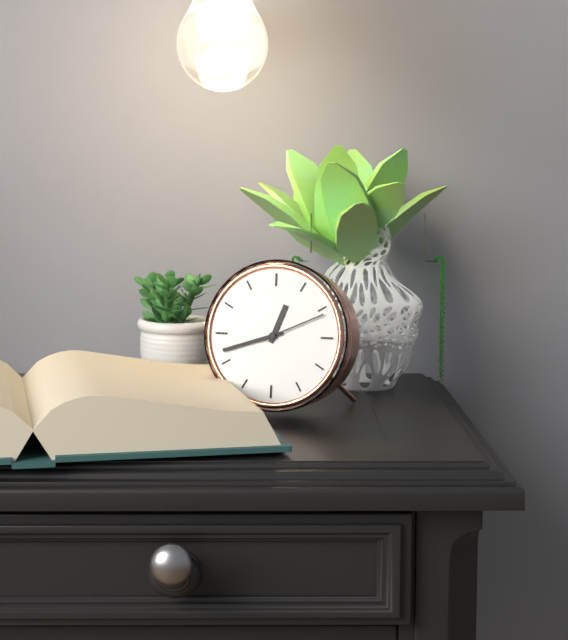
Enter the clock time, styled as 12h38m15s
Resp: 12h42m11s
